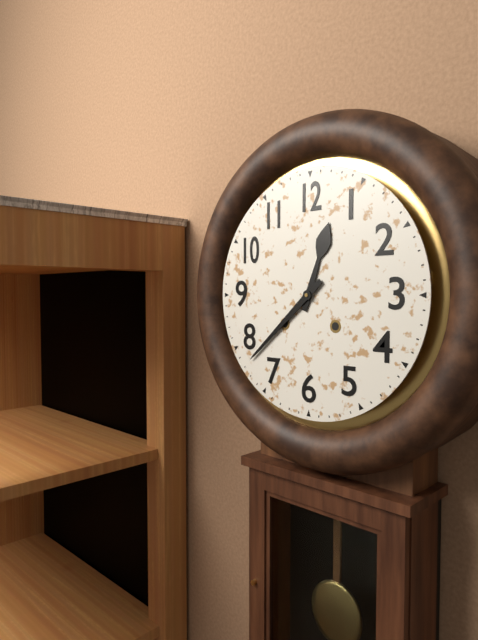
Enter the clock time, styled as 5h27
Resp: 12h38
